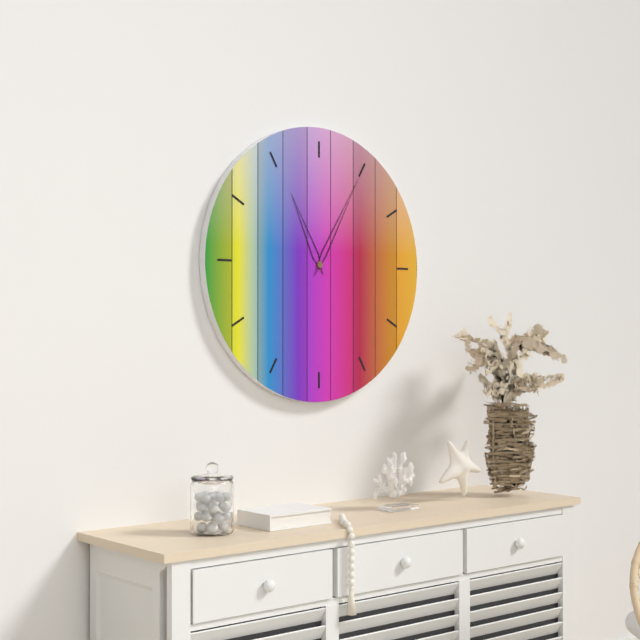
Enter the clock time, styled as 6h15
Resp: 11h05
